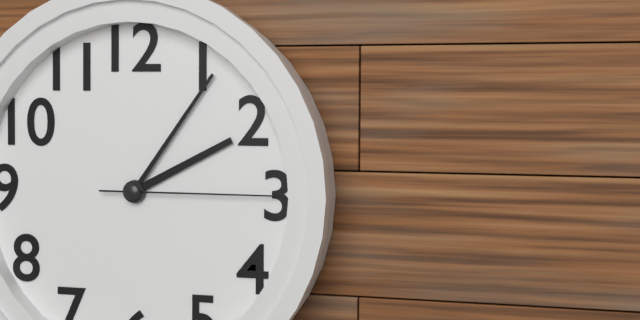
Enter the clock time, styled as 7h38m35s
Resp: 2h06m15s
